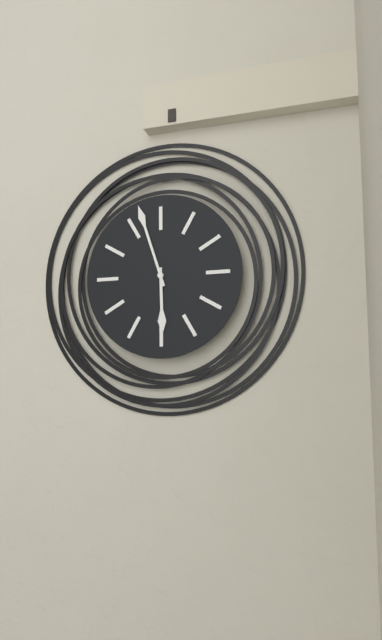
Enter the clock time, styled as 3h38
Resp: 5h57
